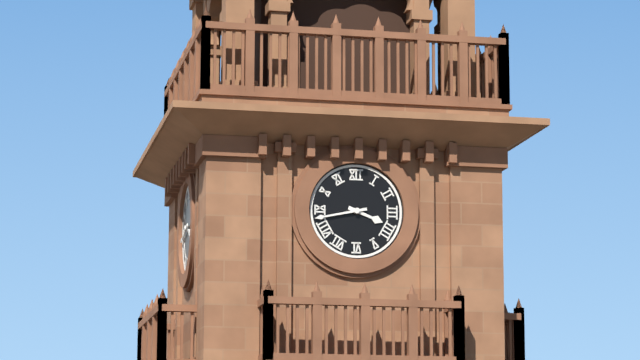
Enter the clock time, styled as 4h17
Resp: 3h43
